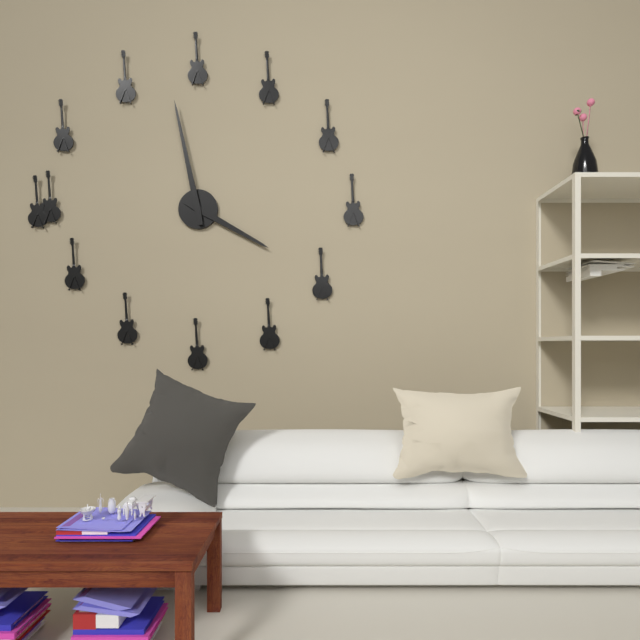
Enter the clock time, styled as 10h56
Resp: 3h58
